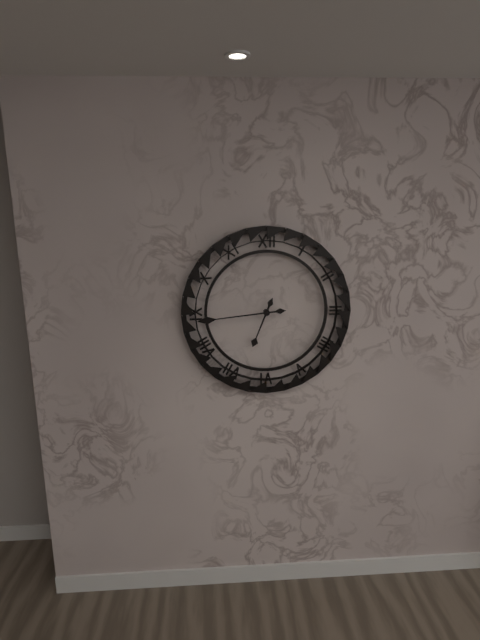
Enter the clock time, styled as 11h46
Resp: 6h44
